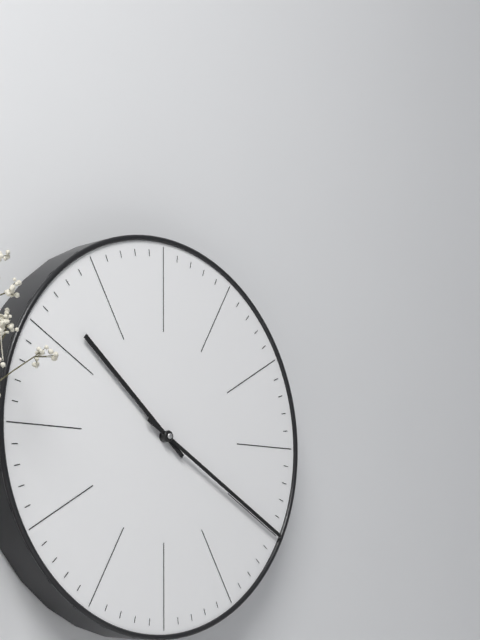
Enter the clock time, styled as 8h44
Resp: 10h20
